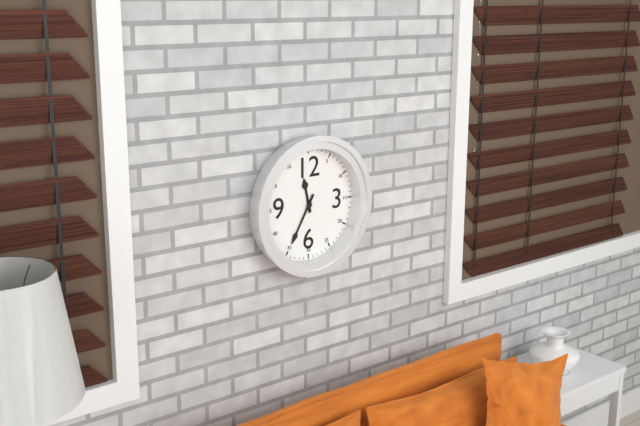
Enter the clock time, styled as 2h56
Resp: 11h35
